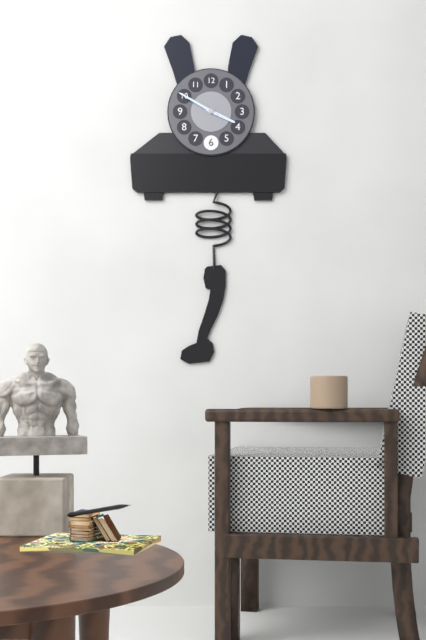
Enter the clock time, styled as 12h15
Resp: 3h50
